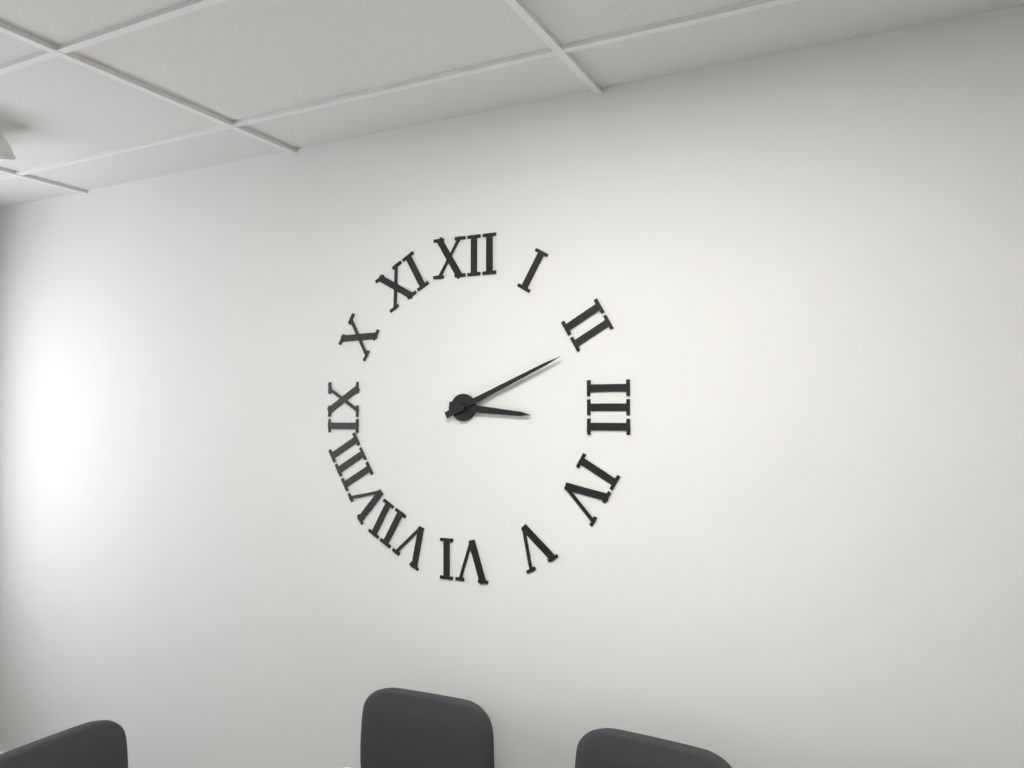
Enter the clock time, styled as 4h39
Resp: 3h11
